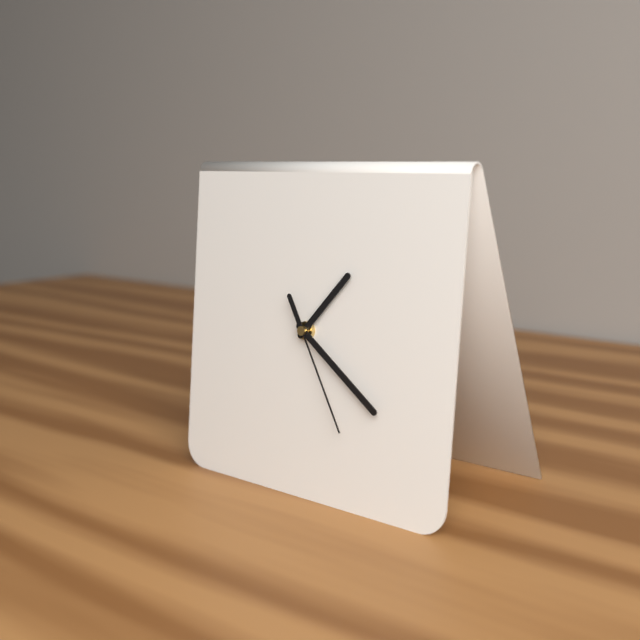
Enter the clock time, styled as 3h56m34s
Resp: 1h21m25s
